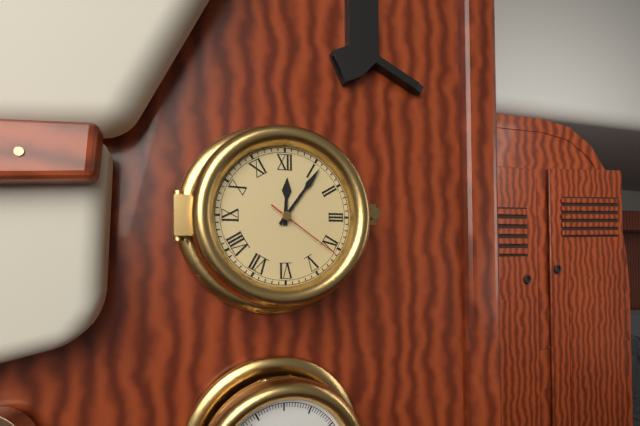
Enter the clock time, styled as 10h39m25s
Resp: 12h06m21s
